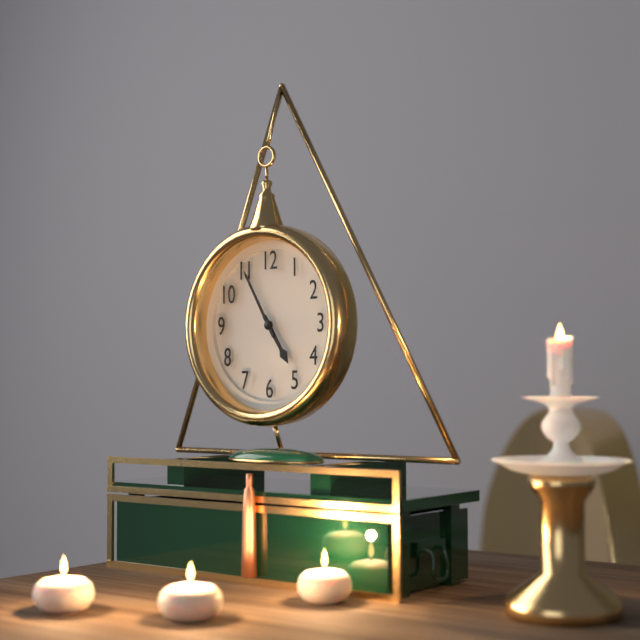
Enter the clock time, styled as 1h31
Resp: 4h55
